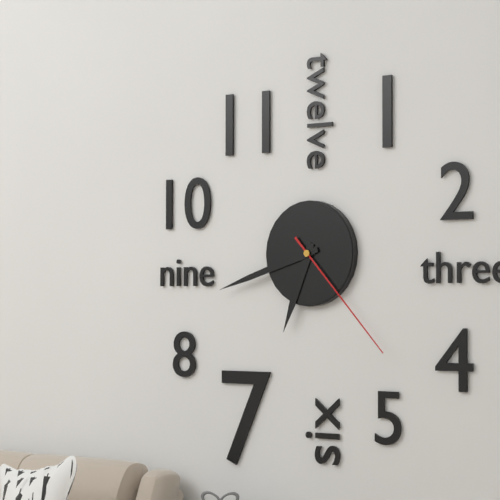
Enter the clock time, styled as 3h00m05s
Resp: 6h42m23s
